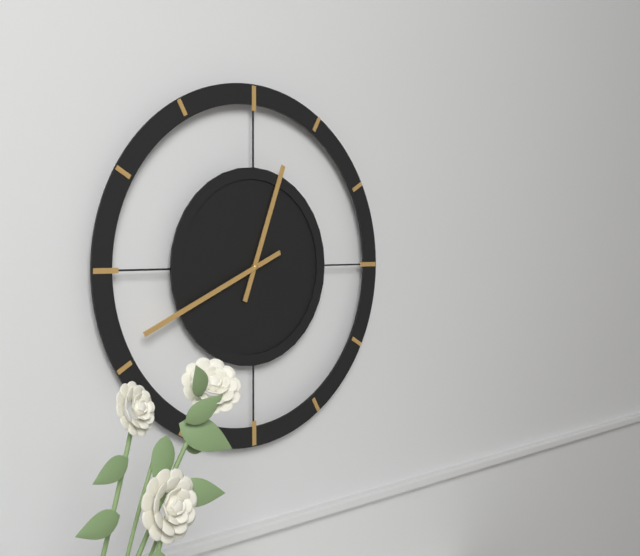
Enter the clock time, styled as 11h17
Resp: 12h41
